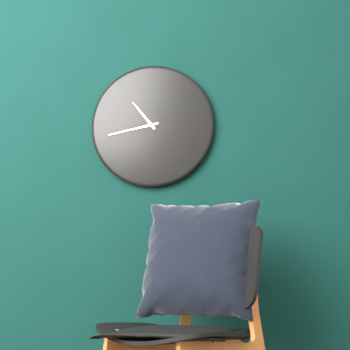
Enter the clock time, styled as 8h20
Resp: 10h43
